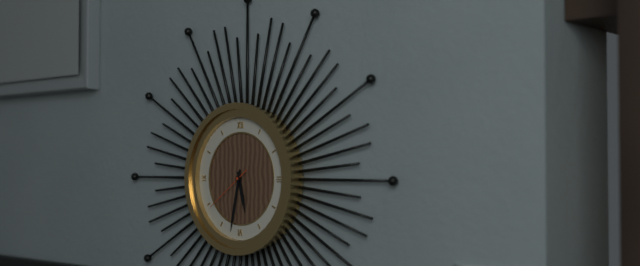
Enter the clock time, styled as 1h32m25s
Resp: 5h32m39s
